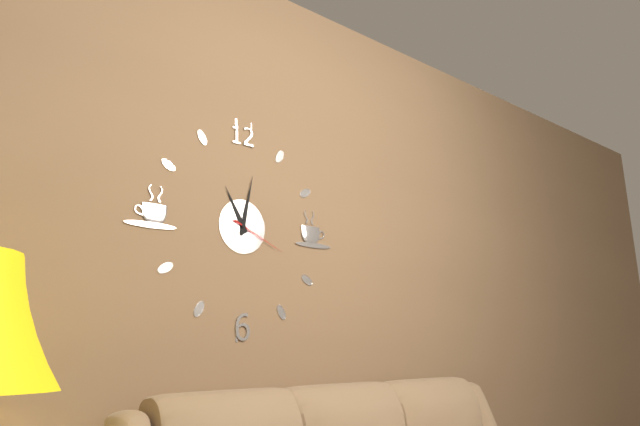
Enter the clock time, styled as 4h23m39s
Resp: 11h02m19s
